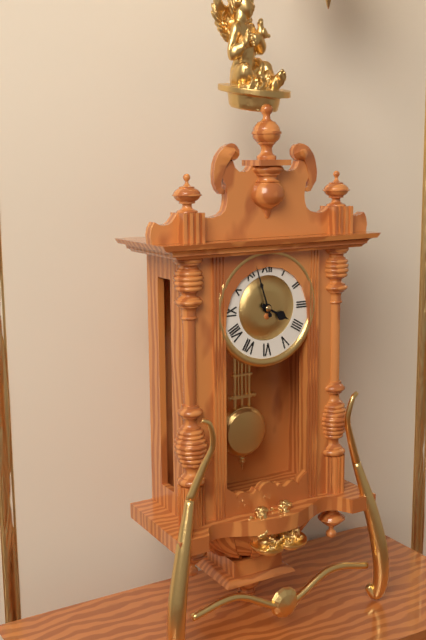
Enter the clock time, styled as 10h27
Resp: 3h57
